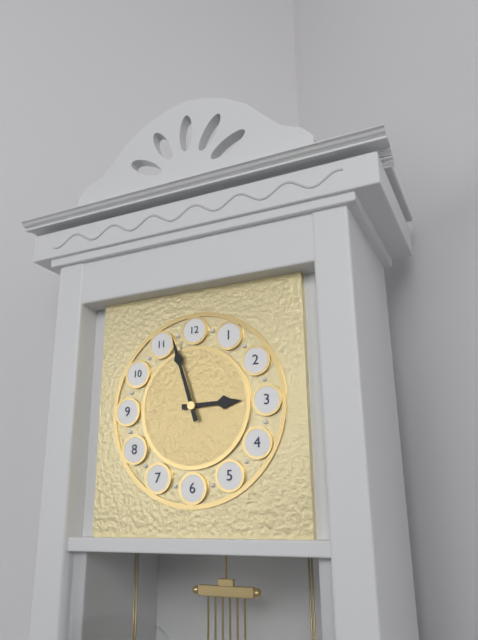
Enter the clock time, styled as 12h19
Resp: 2h57
